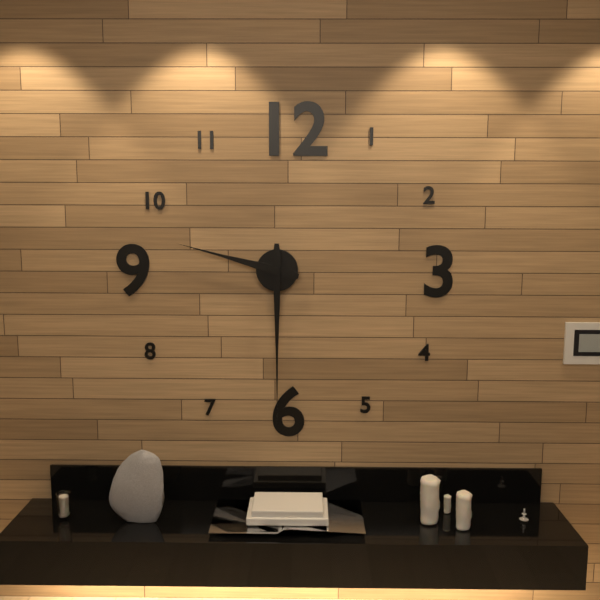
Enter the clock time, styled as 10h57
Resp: 9h30
